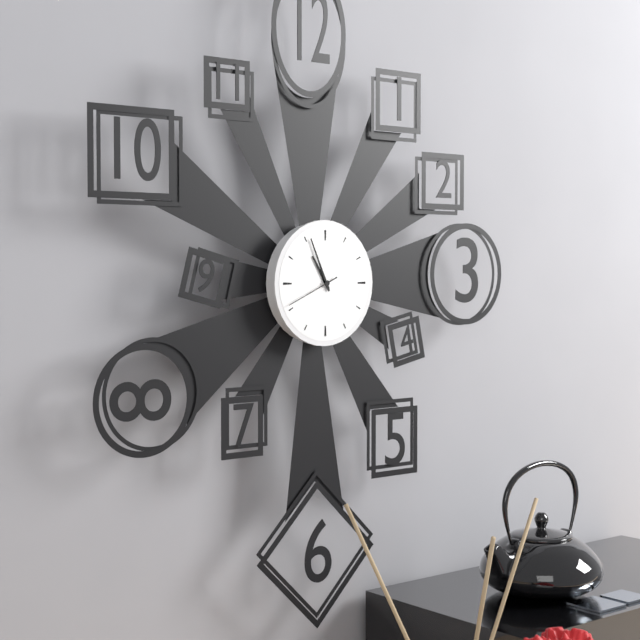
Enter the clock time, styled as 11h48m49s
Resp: 10h56m41s
